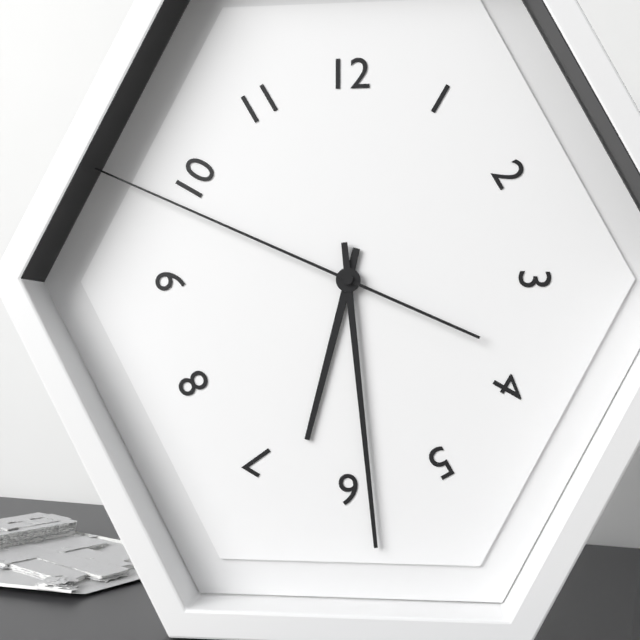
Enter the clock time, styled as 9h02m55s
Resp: 6h29m49s
